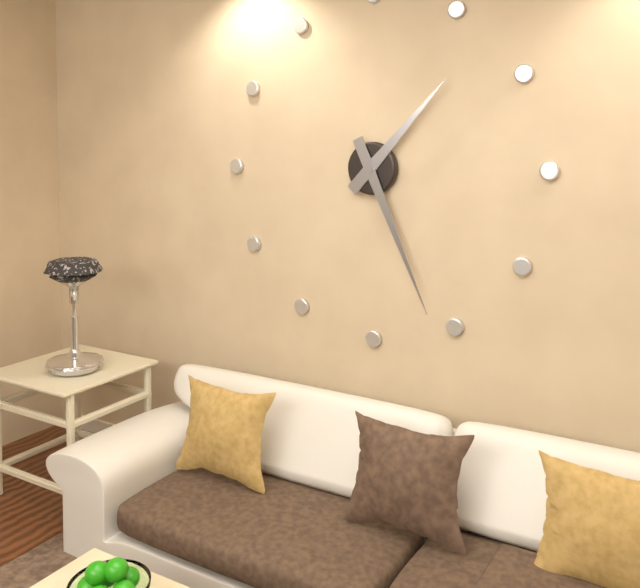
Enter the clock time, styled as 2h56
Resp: 1h26
